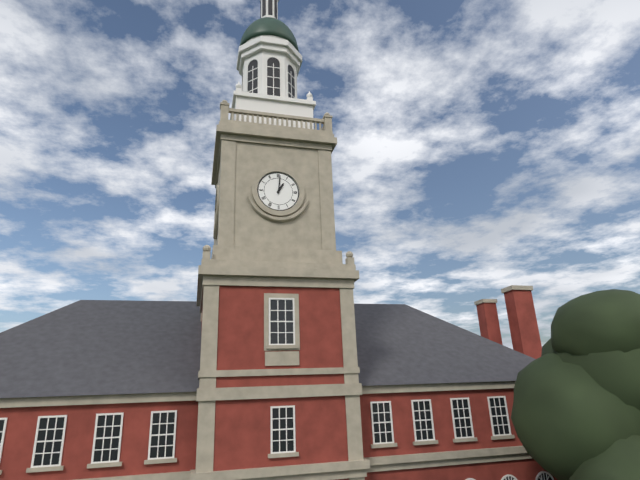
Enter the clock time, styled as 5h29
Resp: 1h01
